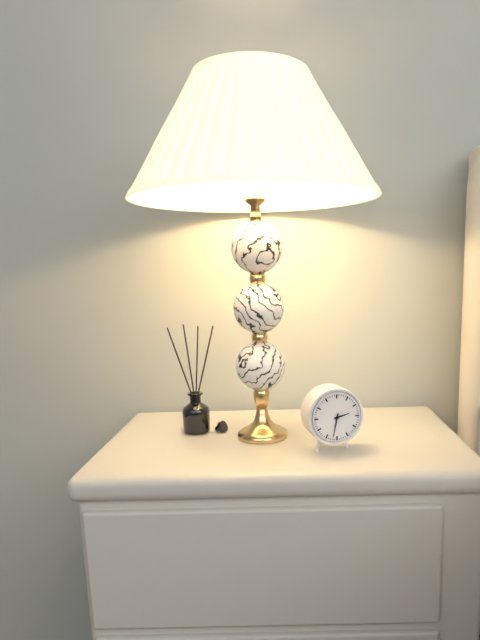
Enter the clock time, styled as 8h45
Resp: 2h32
